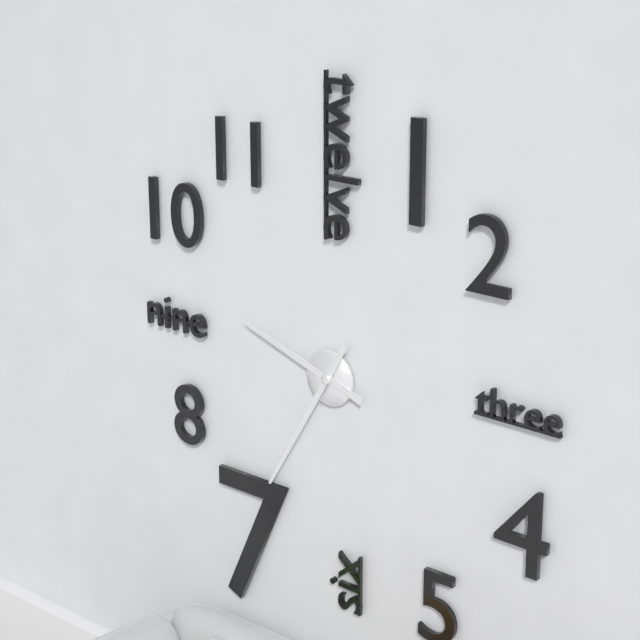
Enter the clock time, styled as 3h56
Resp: 9h35
